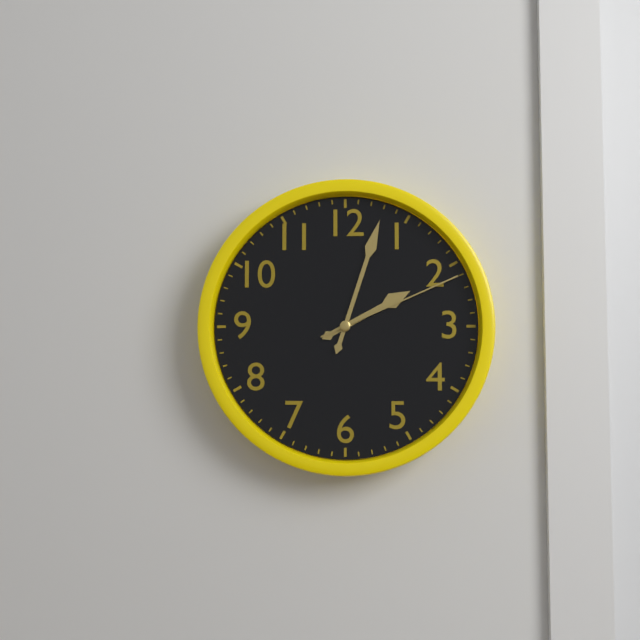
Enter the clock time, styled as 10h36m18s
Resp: 2h03m11s
